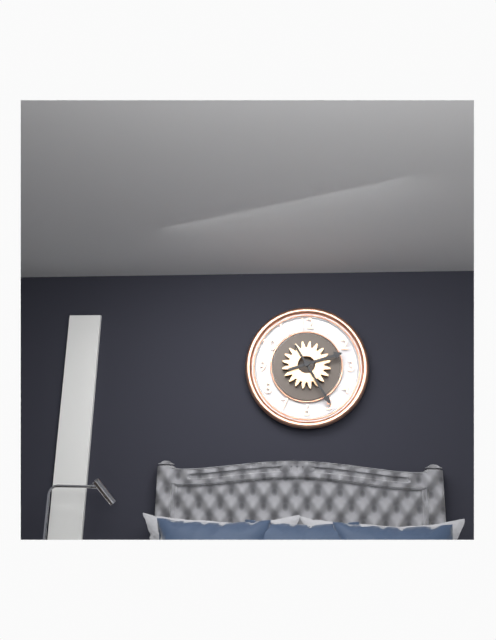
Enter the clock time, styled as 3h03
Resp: 2h25
